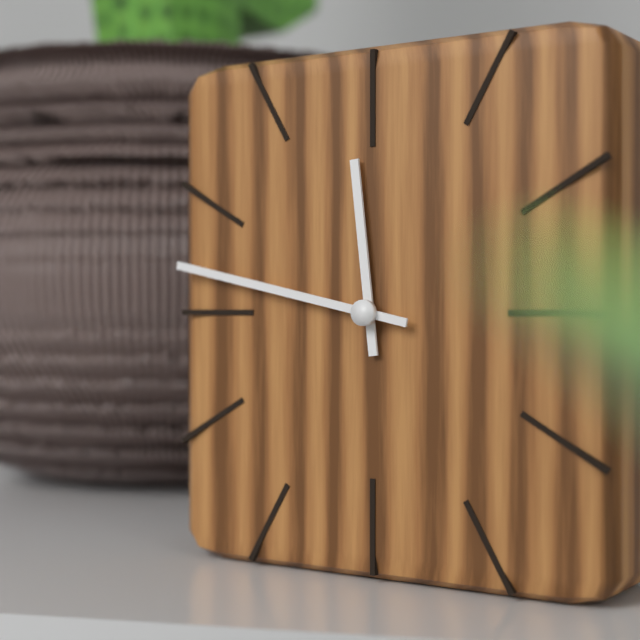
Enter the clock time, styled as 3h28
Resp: 11h47
